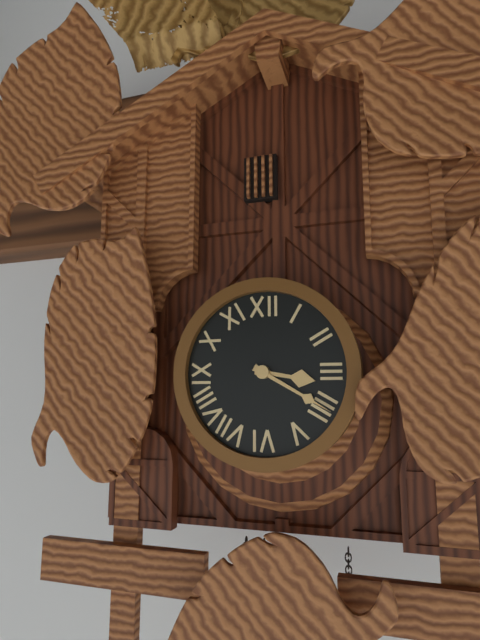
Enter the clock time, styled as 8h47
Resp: 3h20
